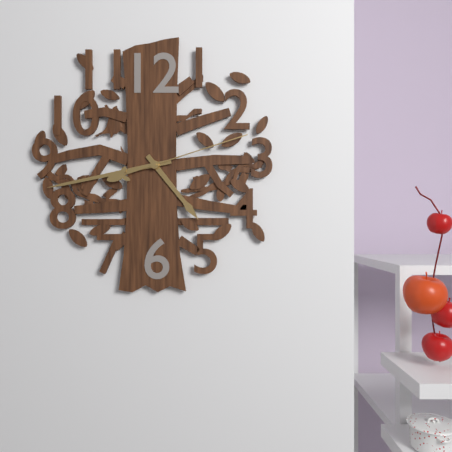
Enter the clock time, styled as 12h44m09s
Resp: 4h43m12s
